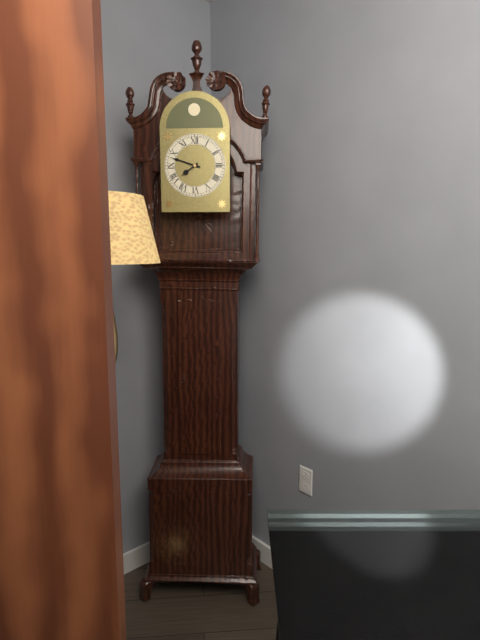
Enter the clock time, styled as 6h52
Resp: 7h48
